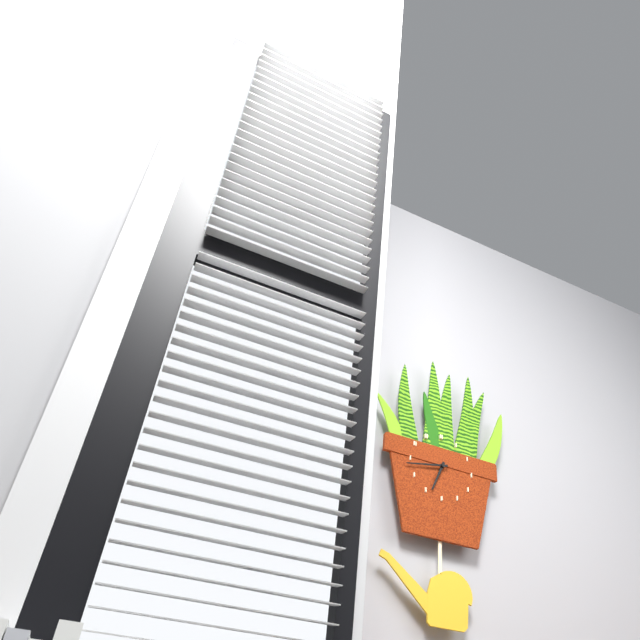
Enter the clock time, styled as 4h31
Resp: 6h43
